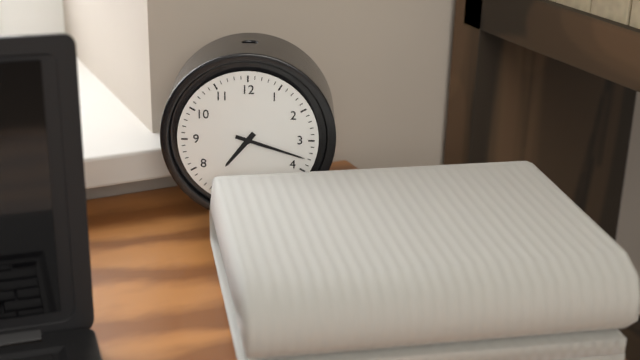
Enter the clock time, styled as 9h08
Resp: 7h18
